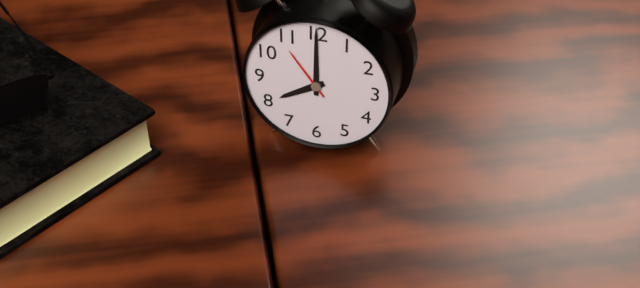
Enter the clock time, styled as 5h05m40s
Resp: 8h00m54s
